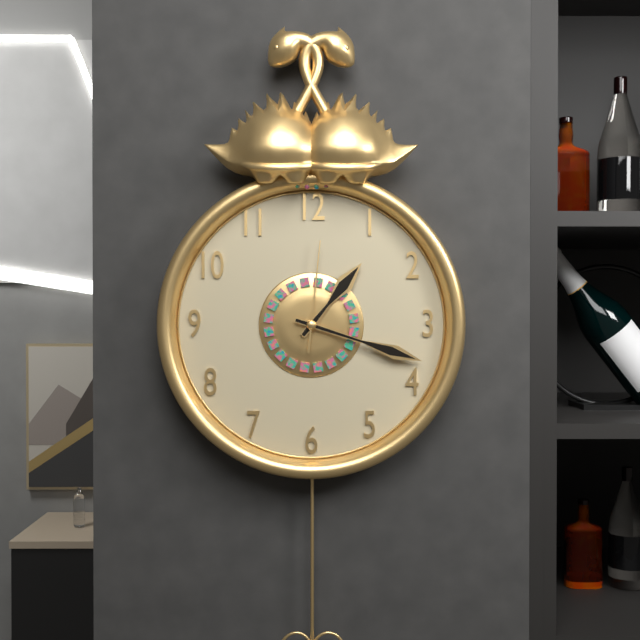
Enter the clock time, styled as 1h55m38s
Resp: 1h18m01s
